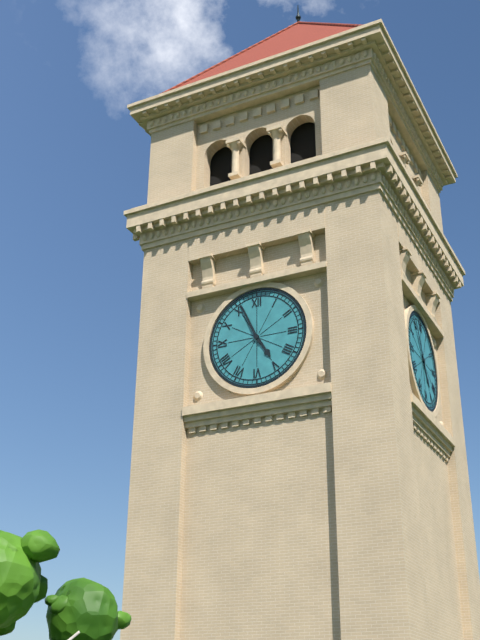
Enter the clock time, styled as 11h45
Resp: 4h56
